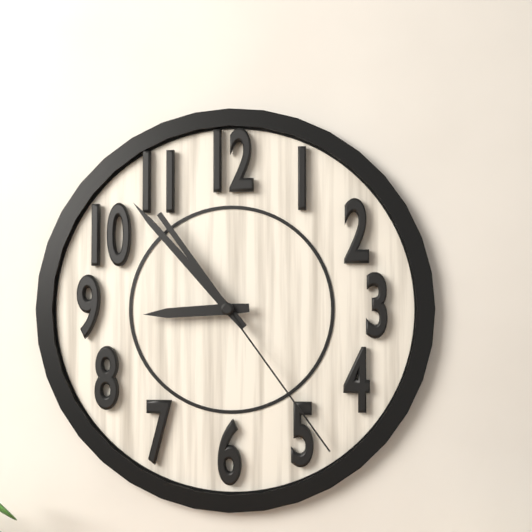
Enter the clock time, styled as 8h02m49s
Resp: 8h53m24s
